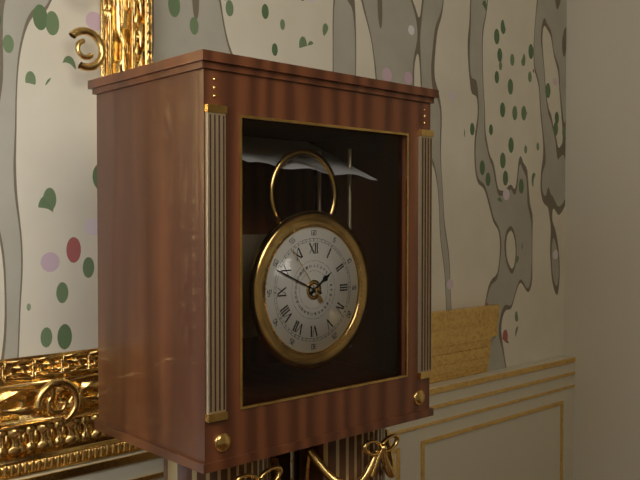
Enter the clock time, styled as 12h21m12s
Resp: 1h49m54s
